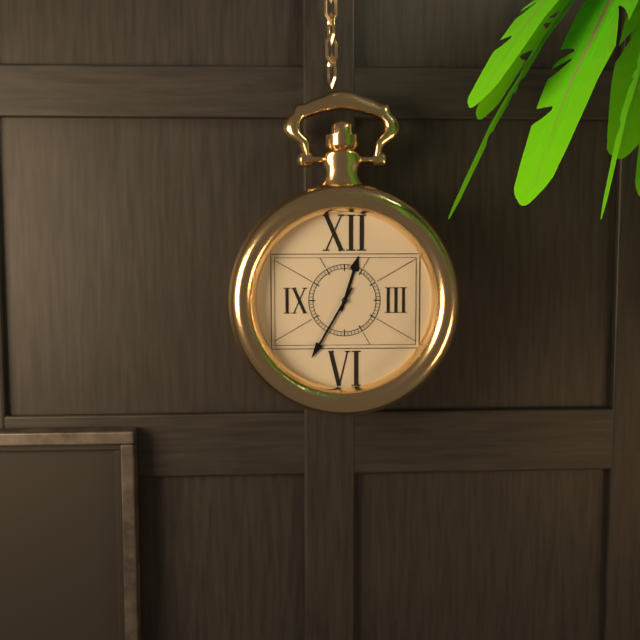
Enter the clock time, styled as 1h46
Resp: 12h35
